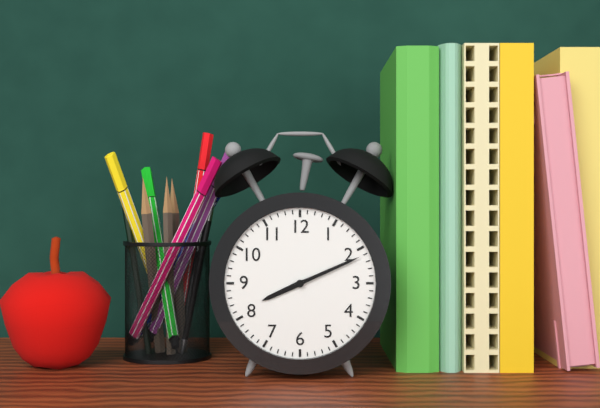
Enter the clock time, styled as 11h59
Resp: 8h11
